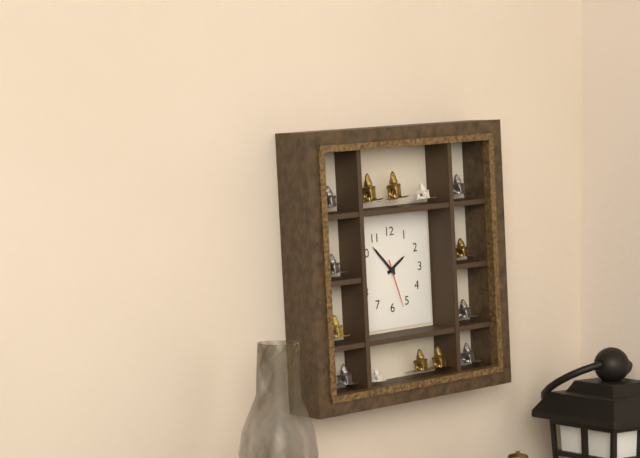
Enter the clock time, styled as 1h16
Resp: 1h53
